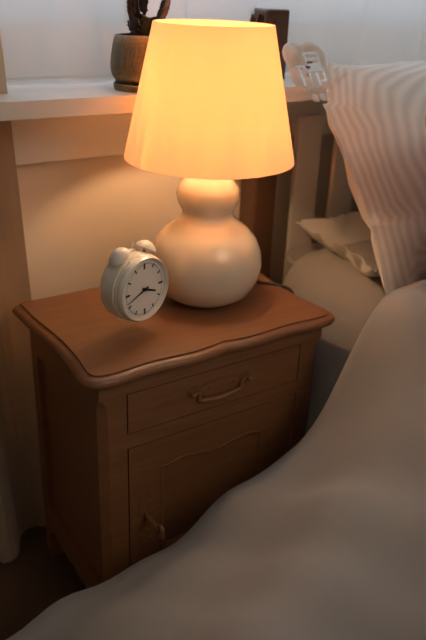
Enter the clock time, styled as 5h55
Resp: 3h42
